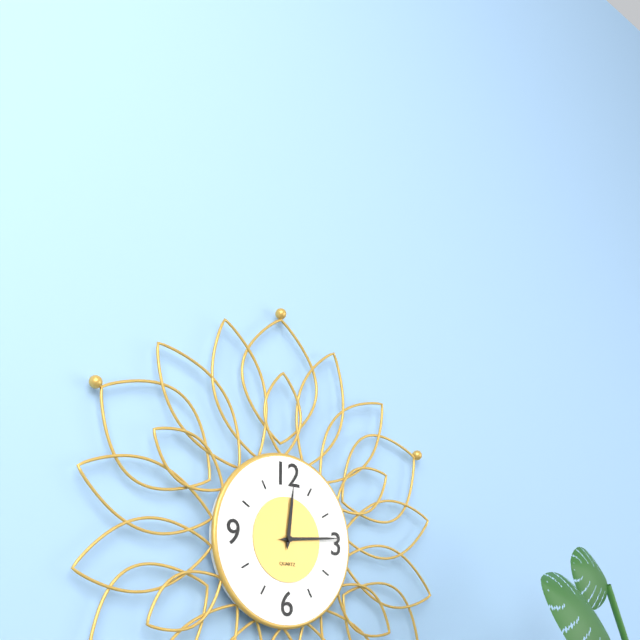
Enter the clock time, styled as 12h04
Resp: 12h14
